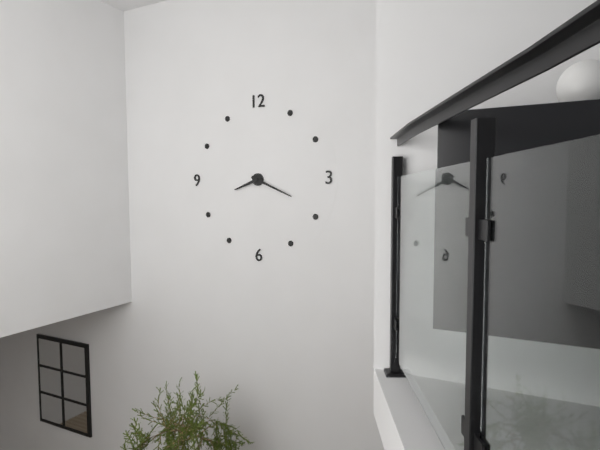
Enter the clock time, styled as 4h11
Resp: 8h19
